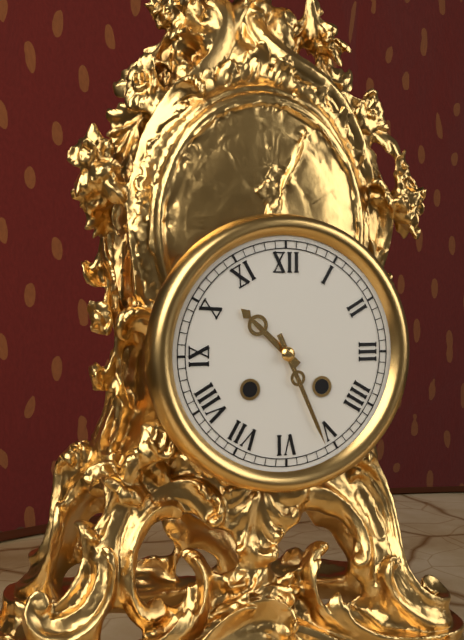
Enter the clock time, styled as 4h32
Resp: 10h26
